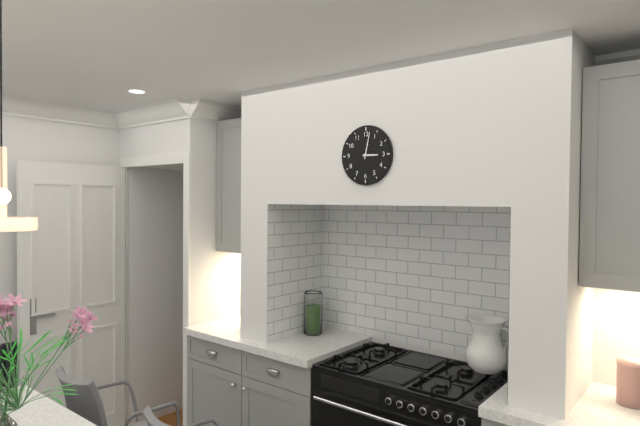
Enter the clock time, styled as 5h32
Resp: 3h02
